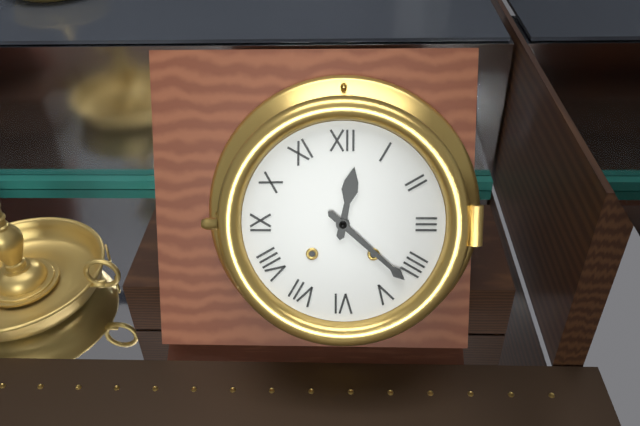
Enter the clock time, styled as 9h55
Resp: 12h22
